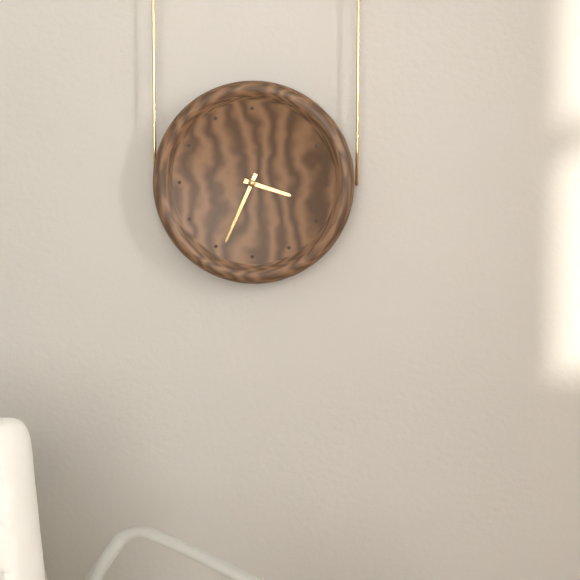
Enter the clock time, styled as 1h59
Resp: 3h34
